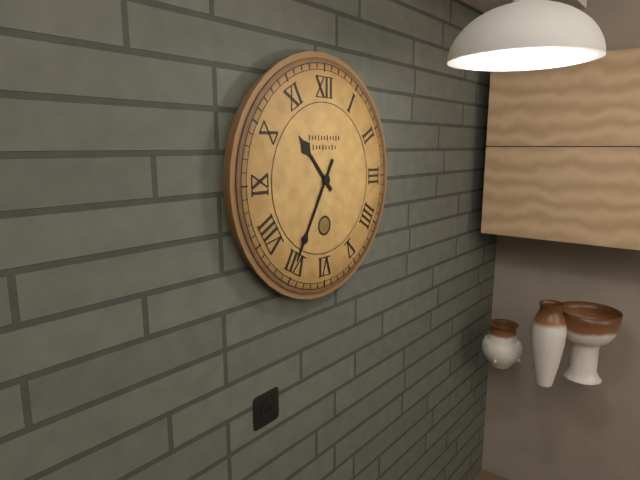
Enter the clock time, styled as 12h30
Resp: 10h35
